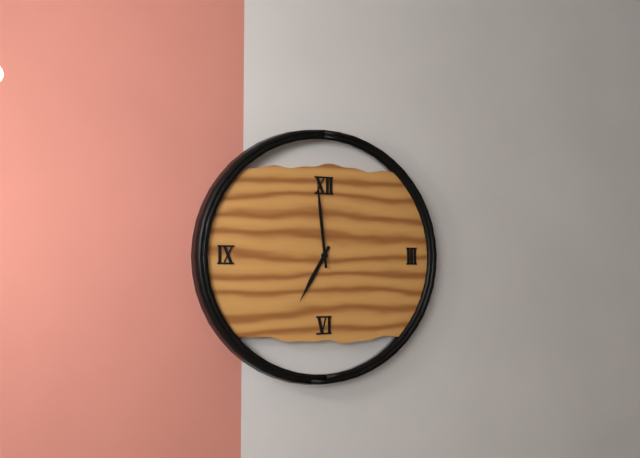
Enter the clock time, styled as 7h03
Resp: 6h59
